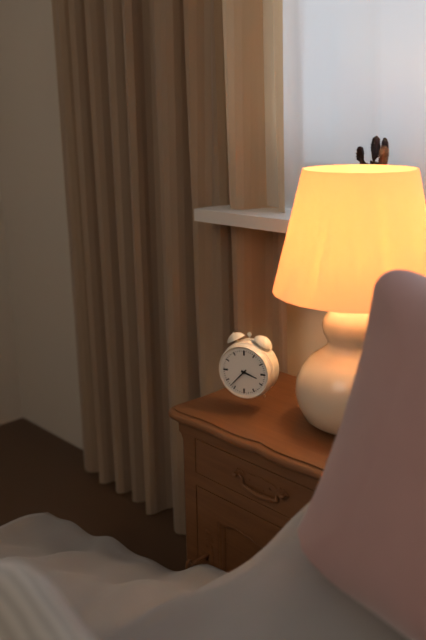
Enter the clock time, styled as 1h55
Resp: 3h37
